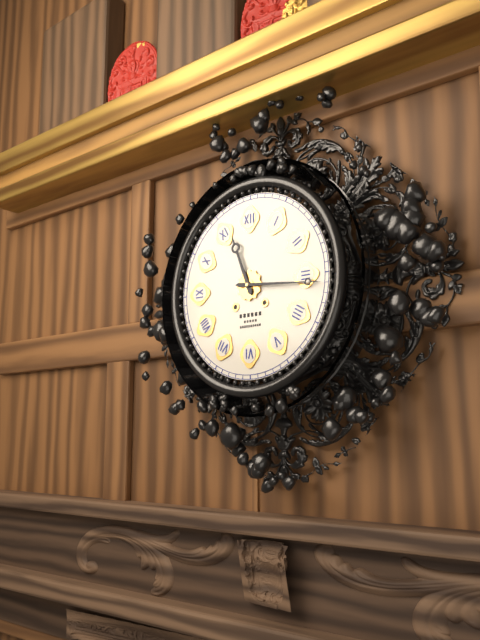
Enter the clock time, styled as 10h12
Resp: 11h16
